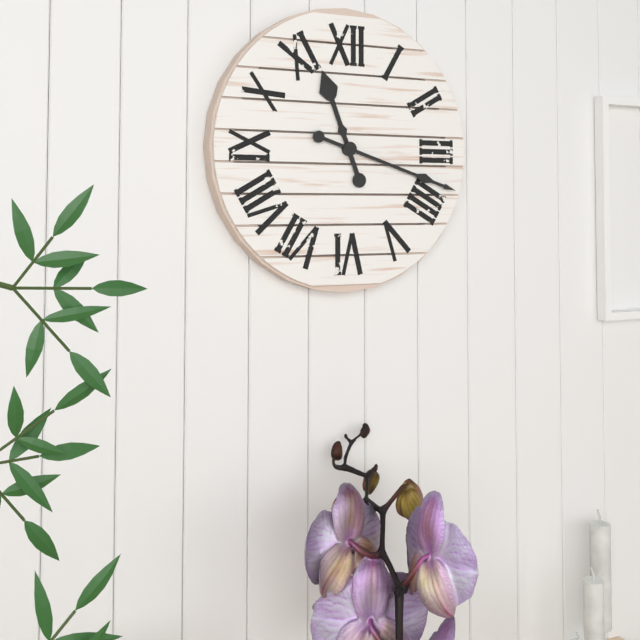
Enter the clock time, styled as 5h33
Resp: 11h18
